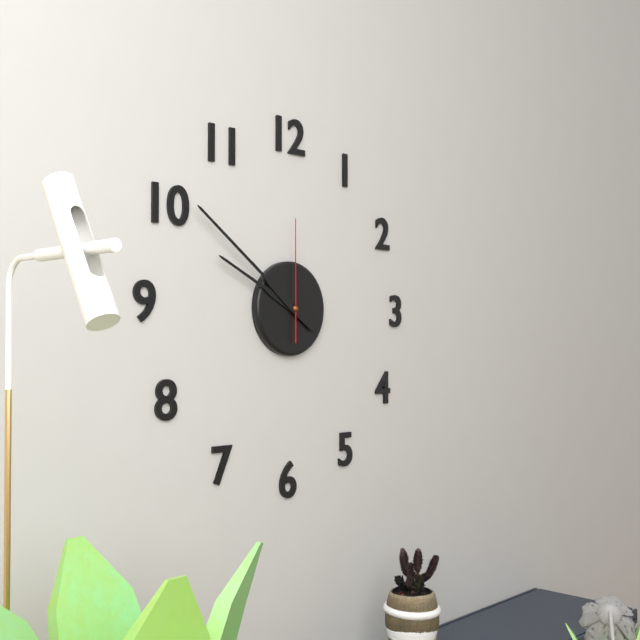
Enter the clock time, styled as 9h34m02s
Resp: 9h51m00s
